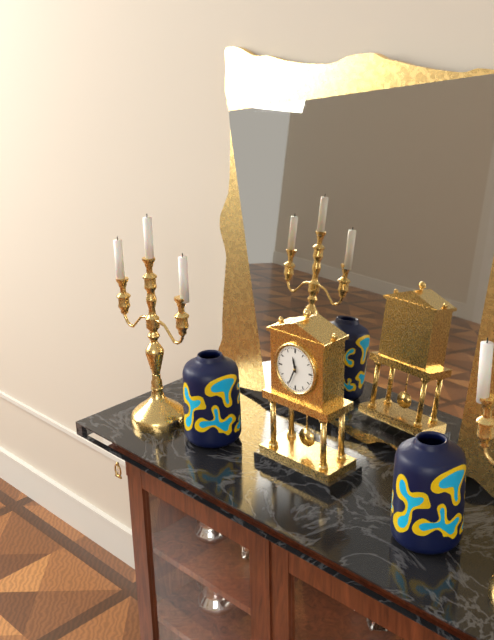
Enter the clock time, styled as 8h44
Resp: 11h34
